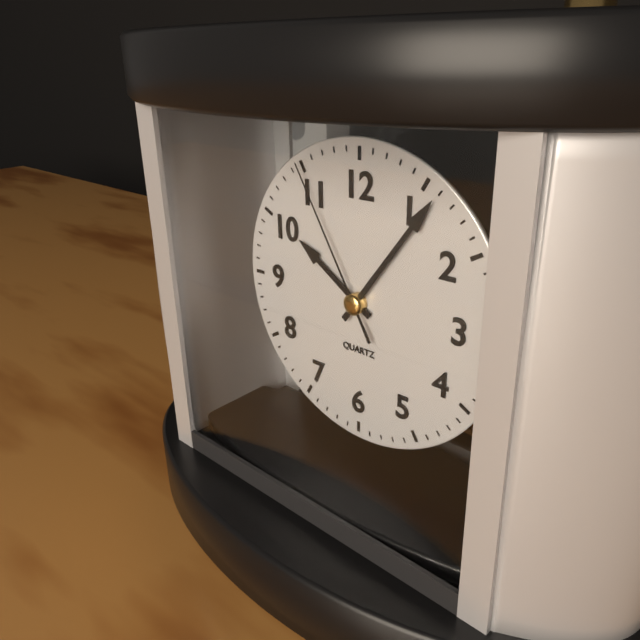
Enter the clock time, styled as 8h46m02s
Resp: 10h06m55s
